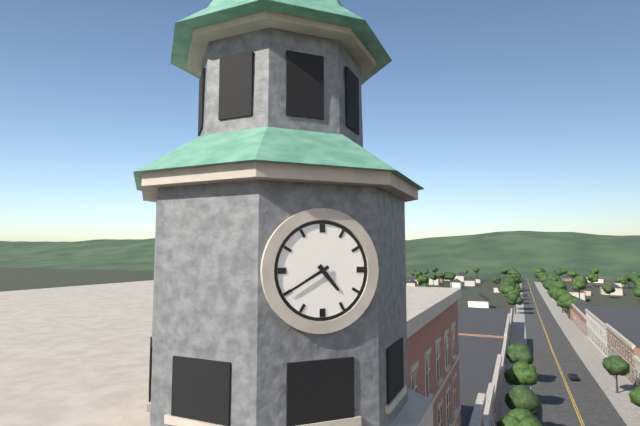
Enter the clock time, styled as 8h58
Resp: 4h40
